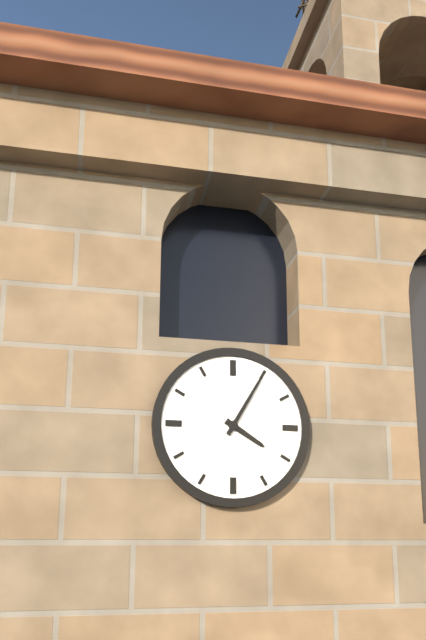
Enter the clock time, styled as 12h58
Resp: 4h05
